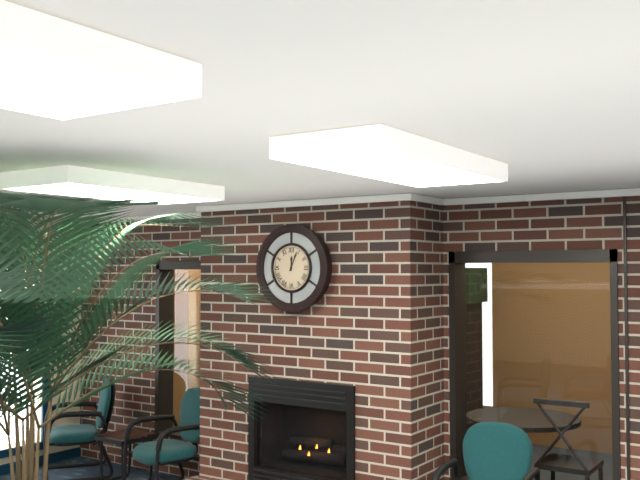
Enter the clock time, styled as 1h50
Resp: 12h04
